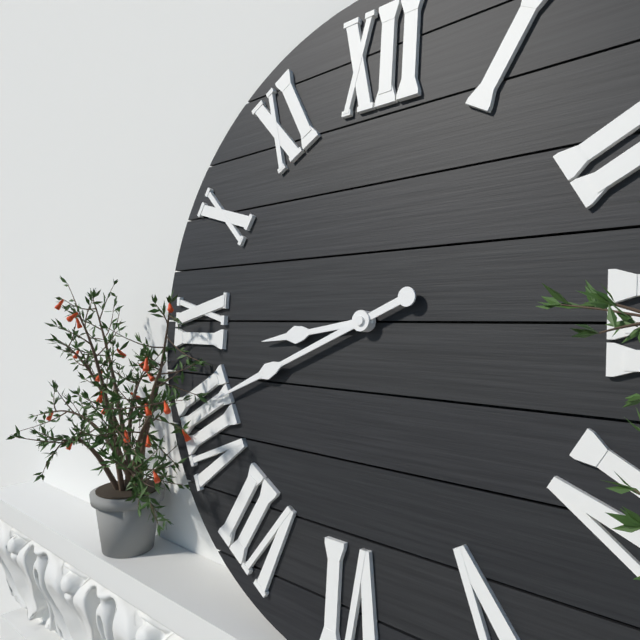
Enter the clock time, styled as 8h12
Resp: 8h41
